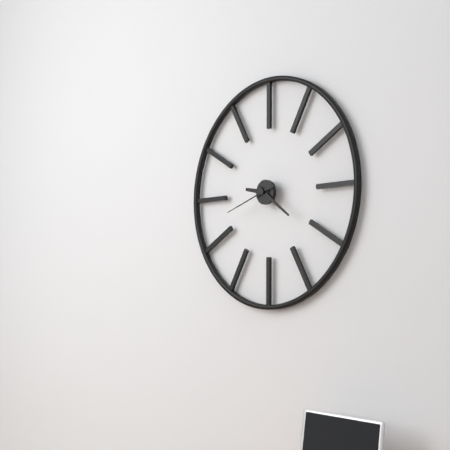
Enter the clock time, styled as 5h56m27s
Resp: 9h21m42s
